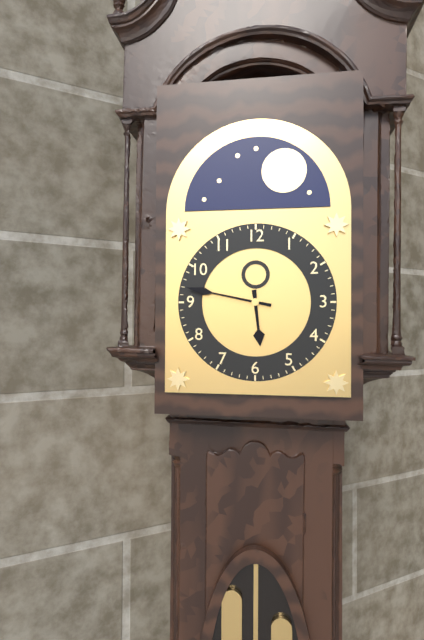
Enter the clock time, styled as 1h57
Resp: 5h47
